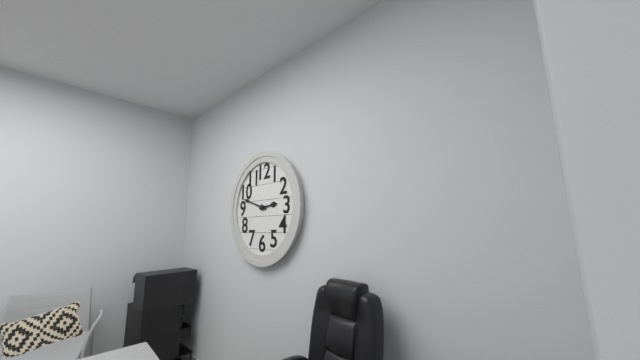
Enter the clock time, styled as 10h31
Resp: 2h48
